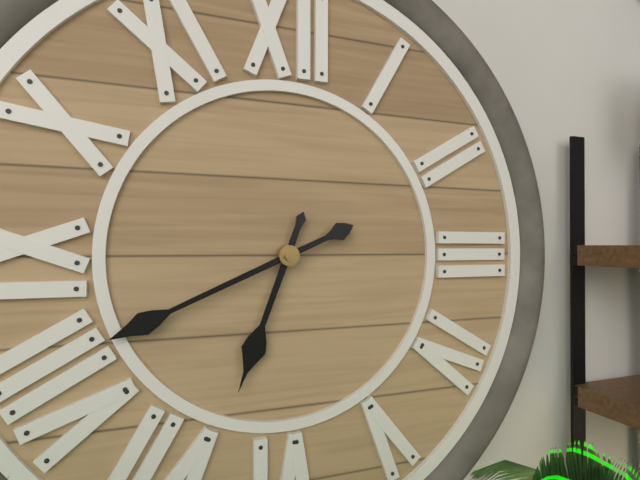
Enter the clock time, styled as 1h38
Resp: 6h41
